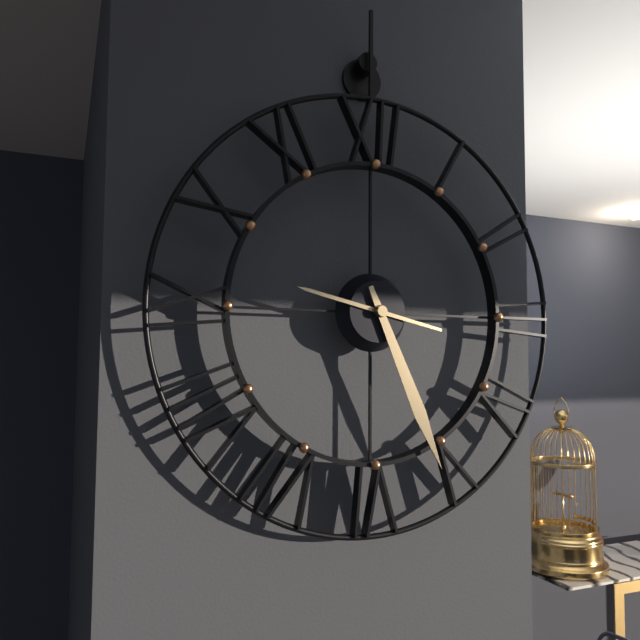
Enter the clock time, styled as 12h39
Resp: 9h26
